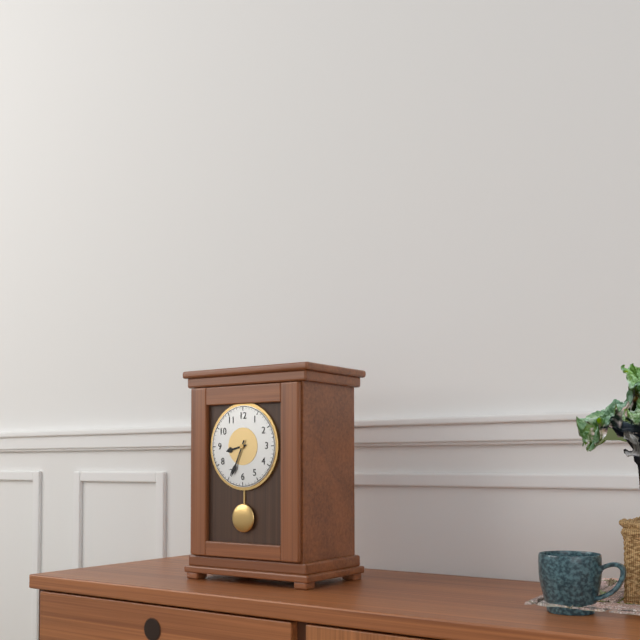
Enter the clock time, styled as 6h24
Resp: 8h34
